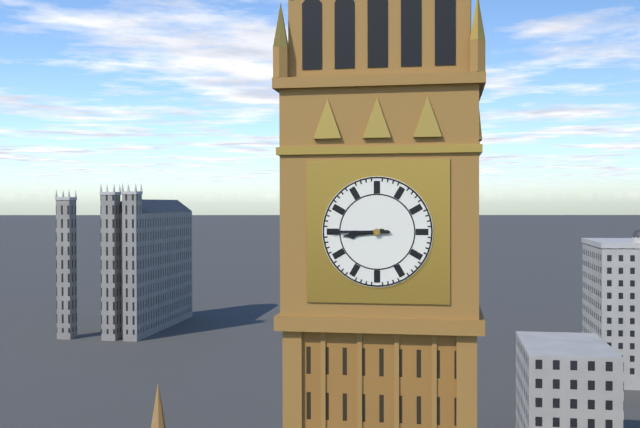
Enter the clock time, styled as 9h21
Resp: 8h45
